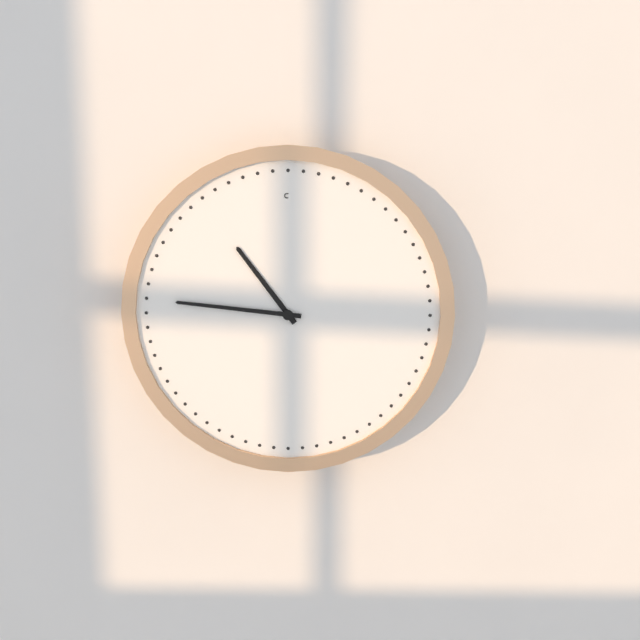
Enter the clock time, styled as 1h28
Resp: 10h46
